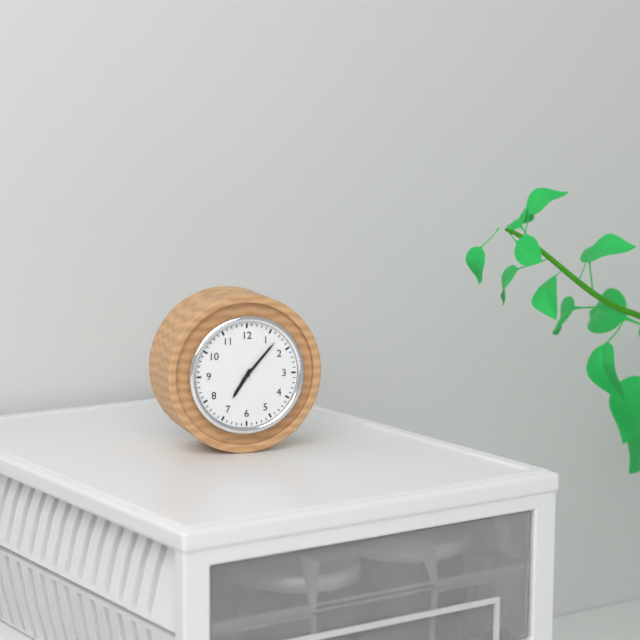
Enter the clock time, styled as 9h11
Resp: 7h07
